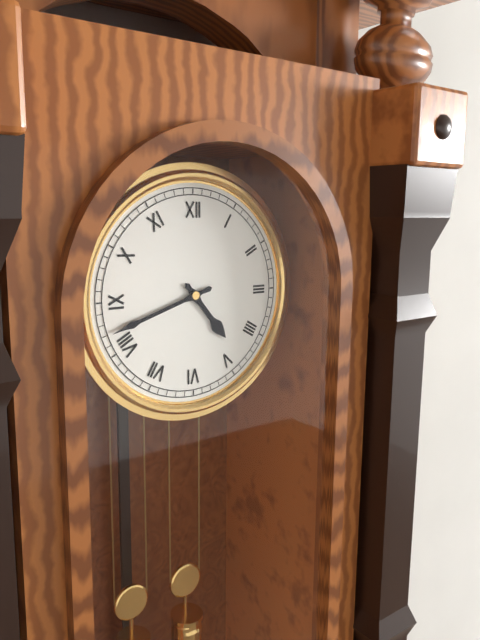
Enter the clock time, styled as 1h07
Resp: 4h42
